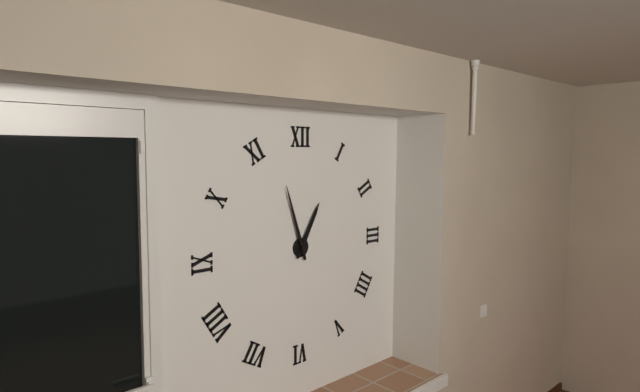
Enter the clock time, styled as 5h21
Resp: 12h57
